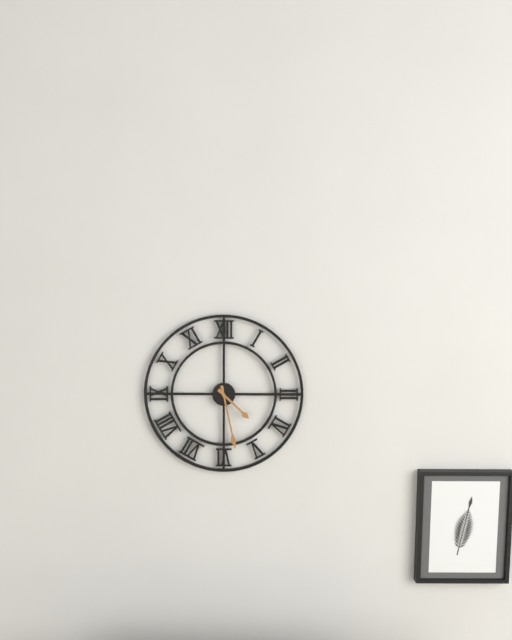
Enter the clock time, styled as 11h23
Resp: 4h28
